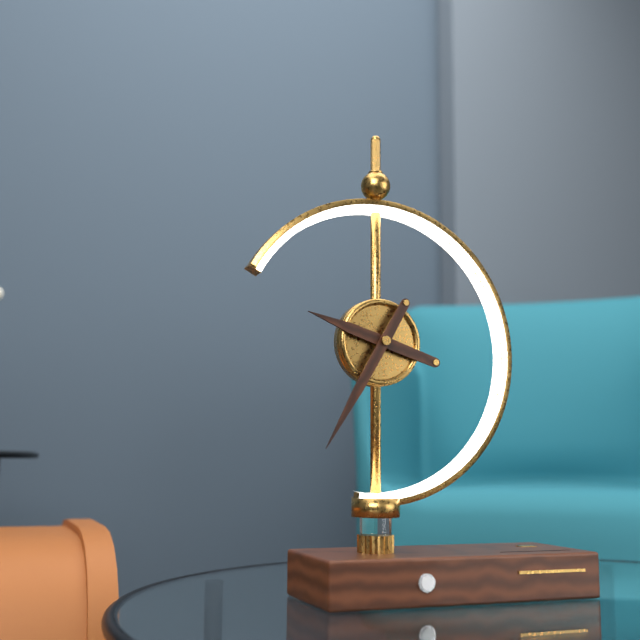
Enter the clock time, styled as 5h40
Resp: 9h35
